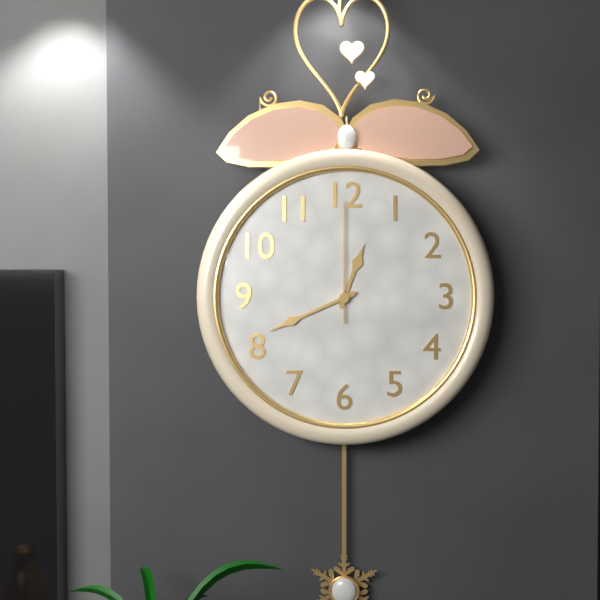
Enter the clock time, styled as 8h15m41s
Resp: 12h41m00s
